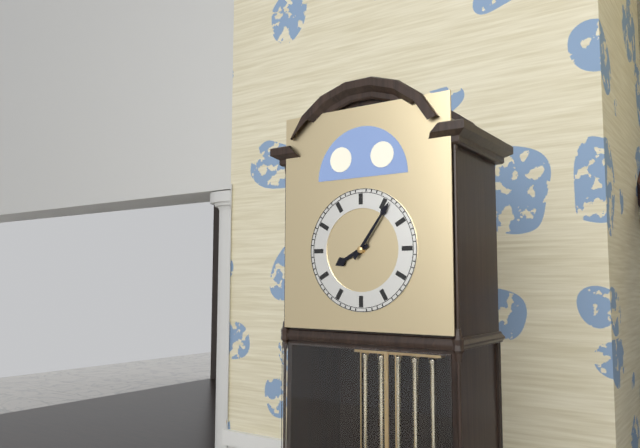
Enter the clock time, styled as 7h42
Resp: 8h06
